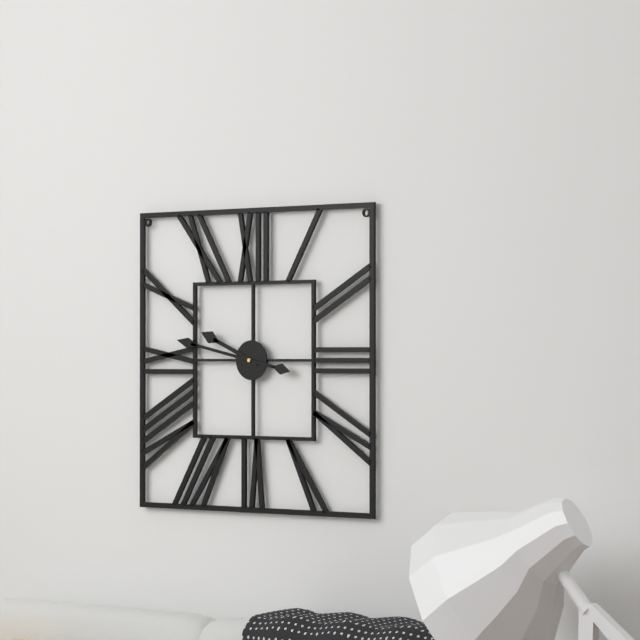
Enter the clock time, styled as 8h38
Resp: 9h47
